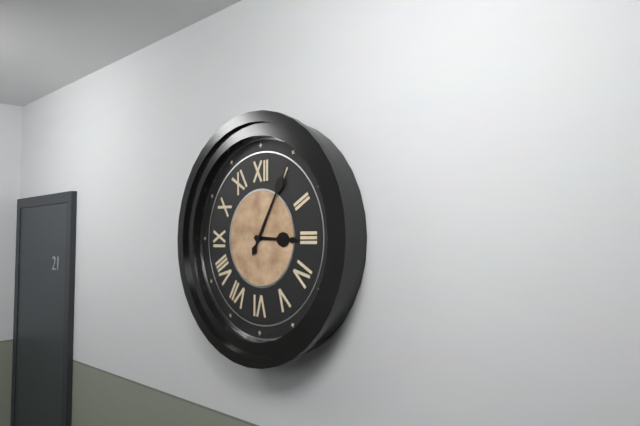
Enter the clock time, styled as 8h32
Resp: 3h05
